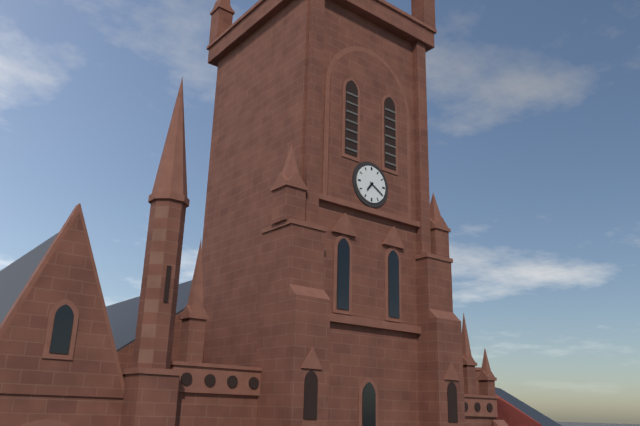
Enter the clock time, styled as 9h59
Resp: 7h20
